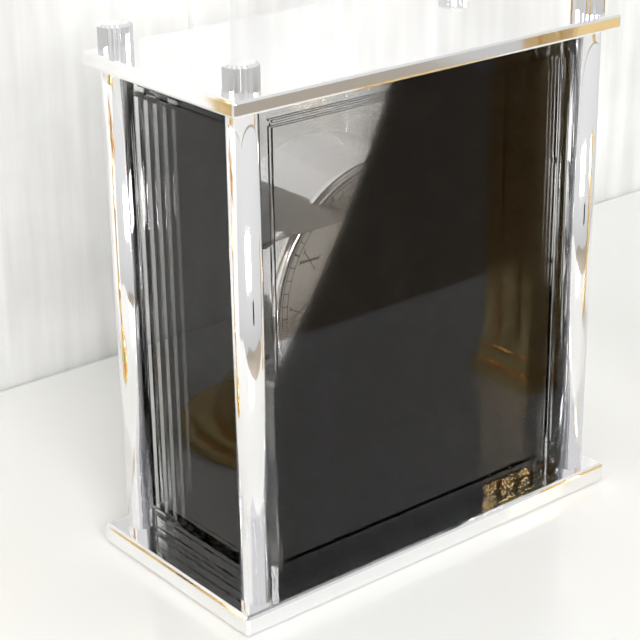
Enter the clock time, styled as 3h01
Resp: 11h35
